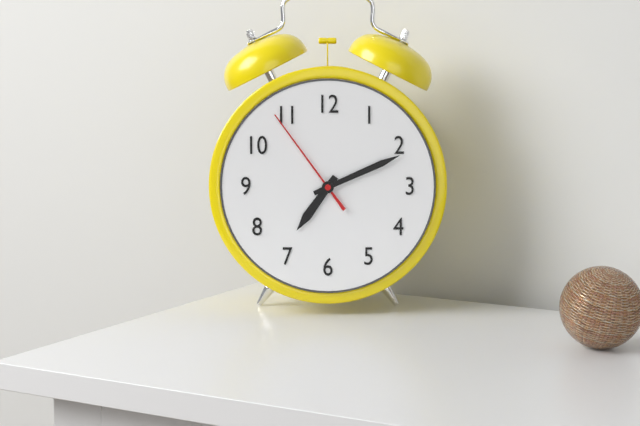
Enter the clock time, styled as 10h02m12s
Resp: 7h11m54s
